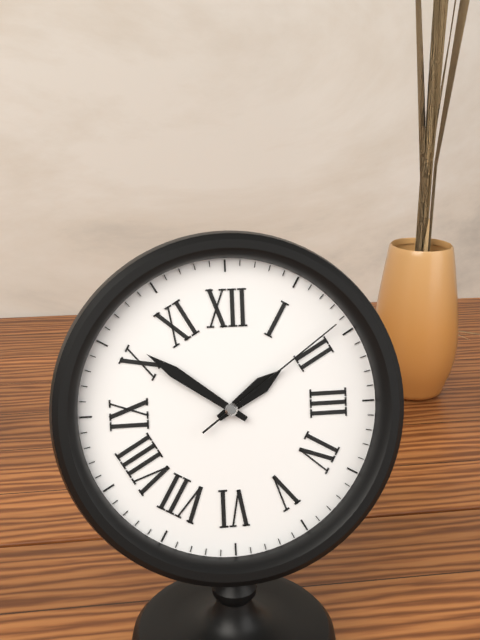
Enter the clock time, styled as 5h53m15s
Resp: 1h51m09s
